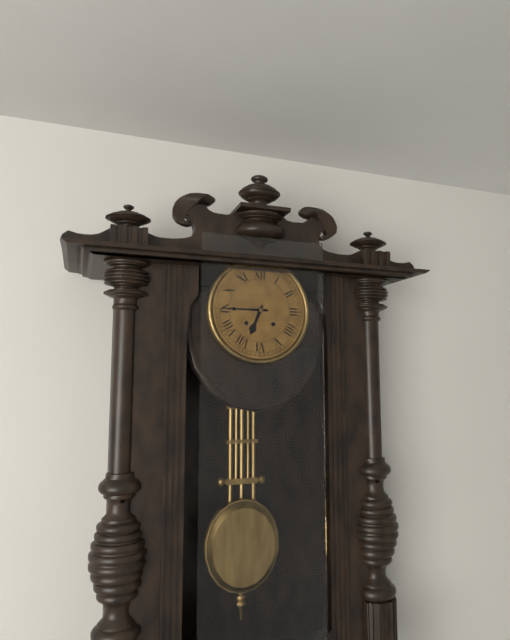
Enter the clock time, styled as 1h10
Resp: 6h45
